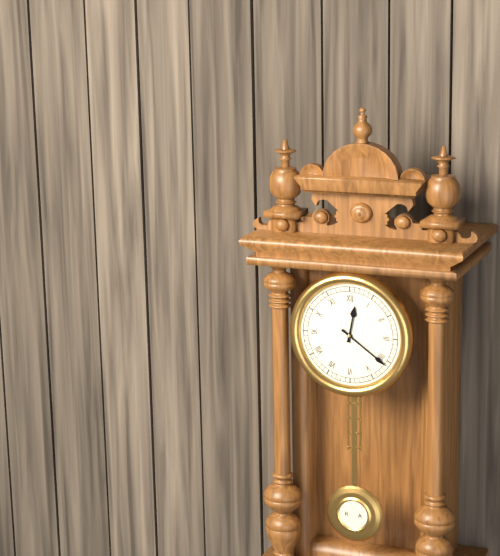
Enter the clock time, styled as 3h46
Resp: 12h21
